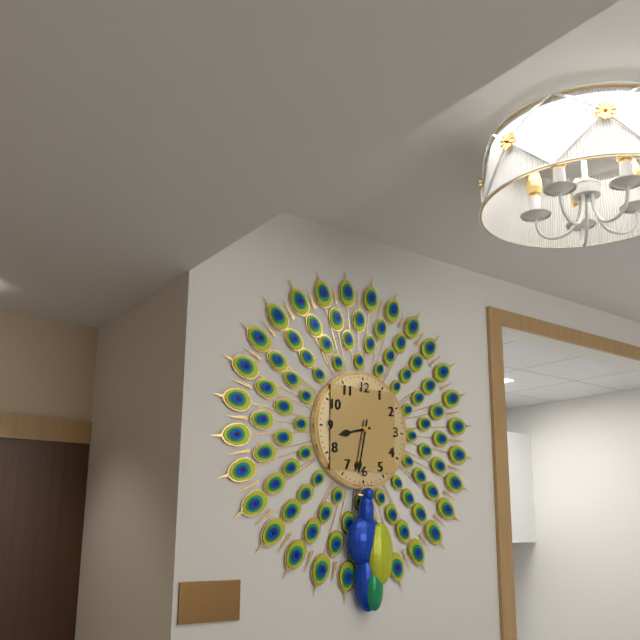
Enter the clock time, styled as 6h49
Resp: 8h32
